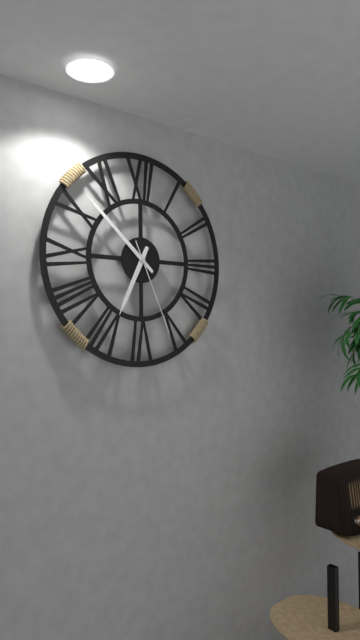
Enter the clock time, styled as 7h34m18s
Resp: 6h52m26s
